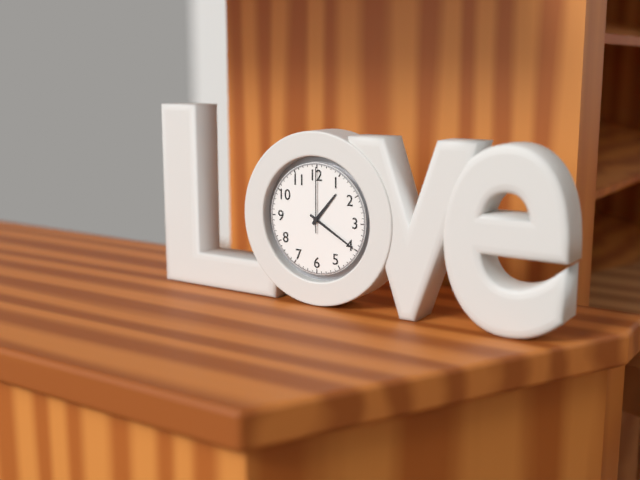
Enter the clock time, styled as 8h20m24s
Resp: 1h20m00s
